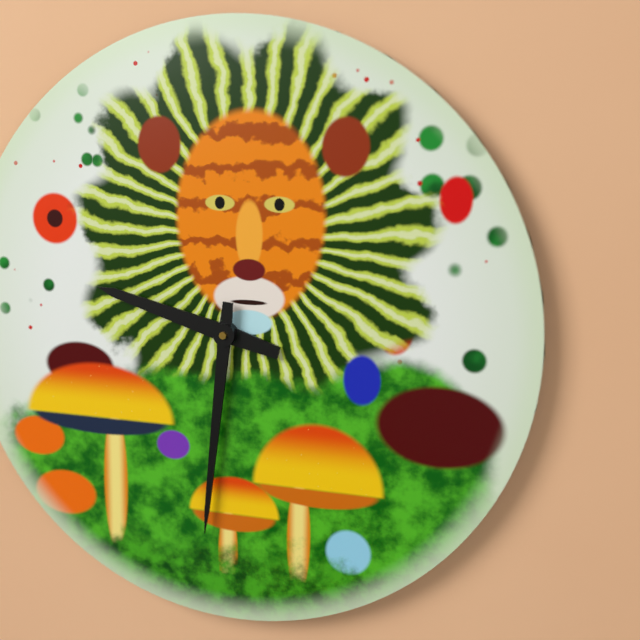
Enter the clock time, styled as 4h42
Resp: 9h31
